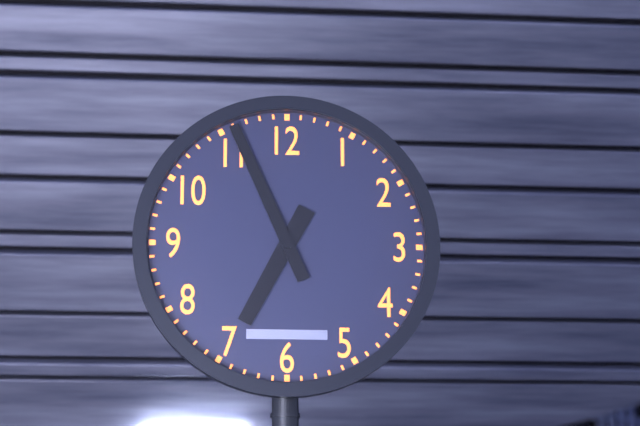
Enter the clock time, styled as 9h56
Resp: 6h56
